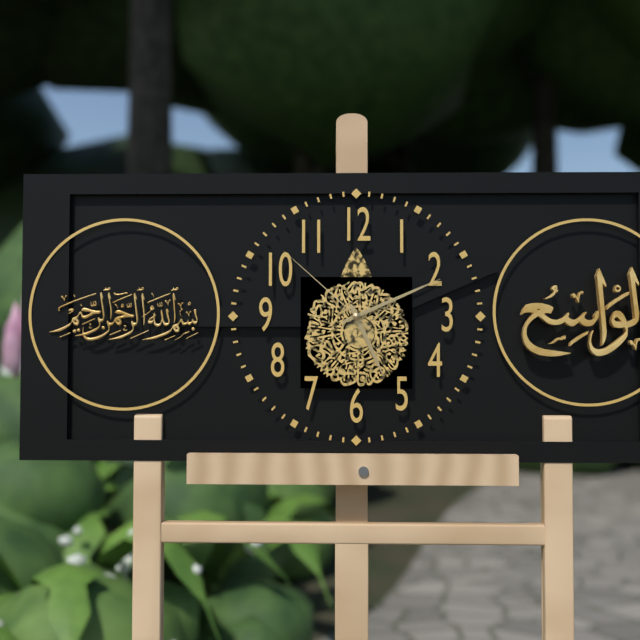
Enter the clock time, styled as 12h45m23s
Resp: 5h11m52s
